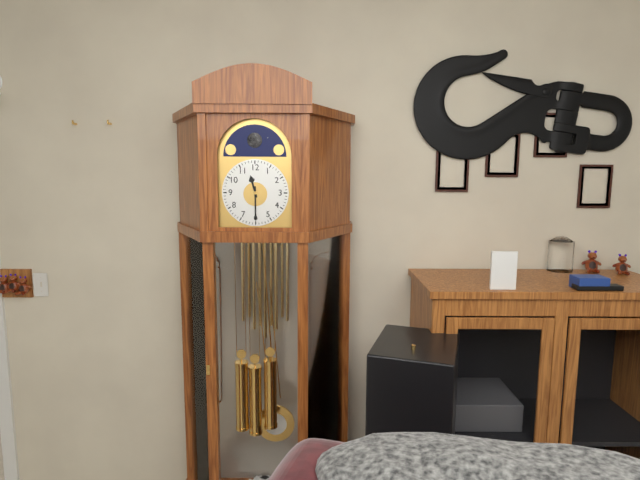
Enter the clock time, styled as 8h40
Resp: 11h30
